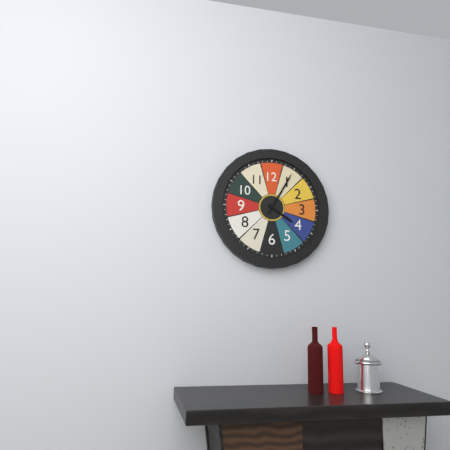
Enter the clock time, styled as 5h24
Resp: 4h05
